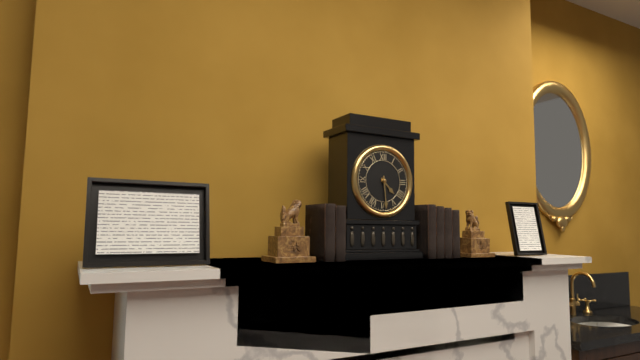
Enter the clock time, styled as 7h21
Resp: 4h29
